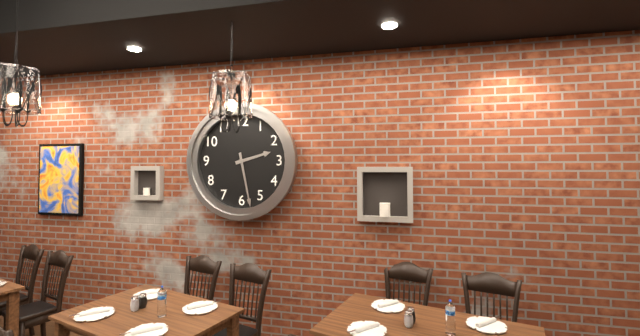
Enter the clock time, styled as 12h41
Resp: 2h28
